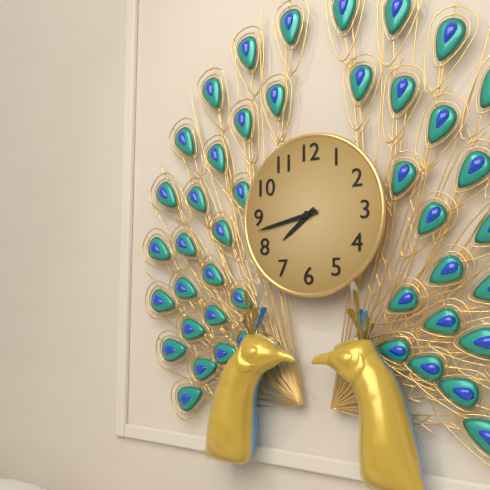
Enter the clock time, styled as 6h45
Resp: 7h43
